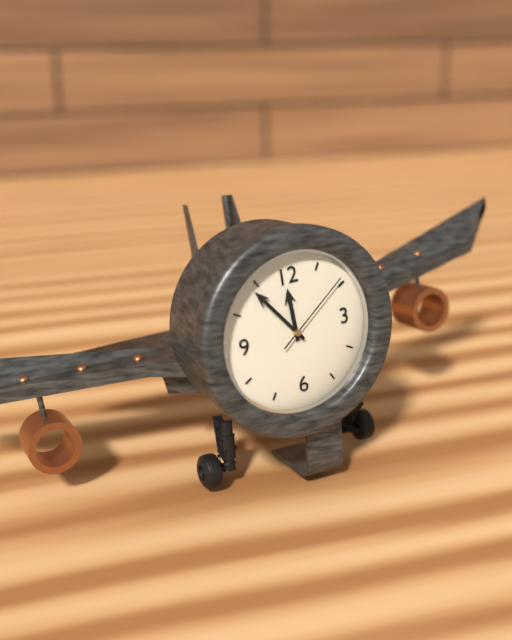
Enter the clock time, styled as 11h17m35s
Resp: 11h54m09s
